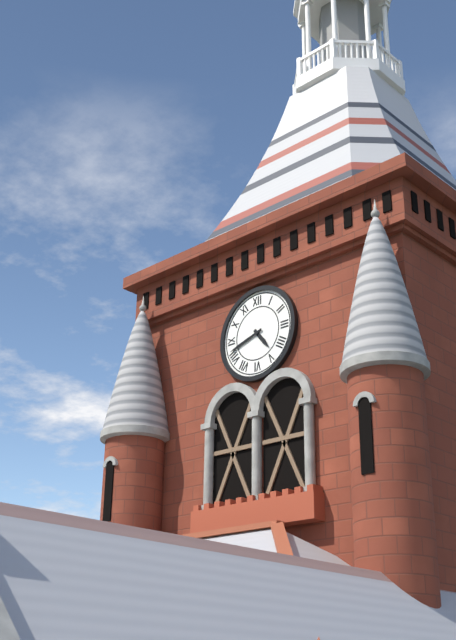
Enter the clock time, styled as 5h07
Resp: 4h42
